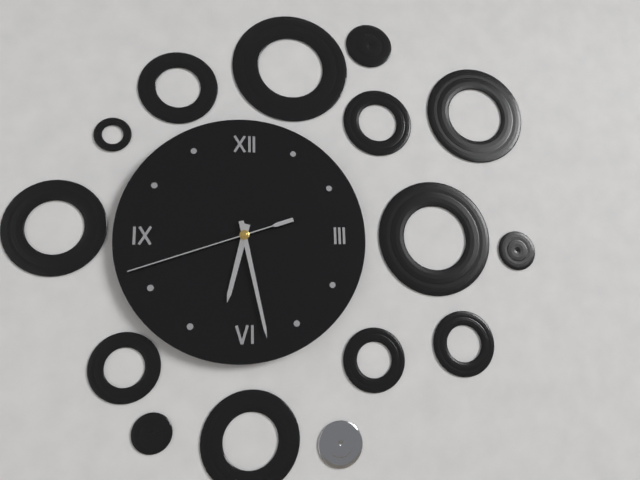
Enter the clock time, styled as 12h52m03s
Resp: 6h28m42s
